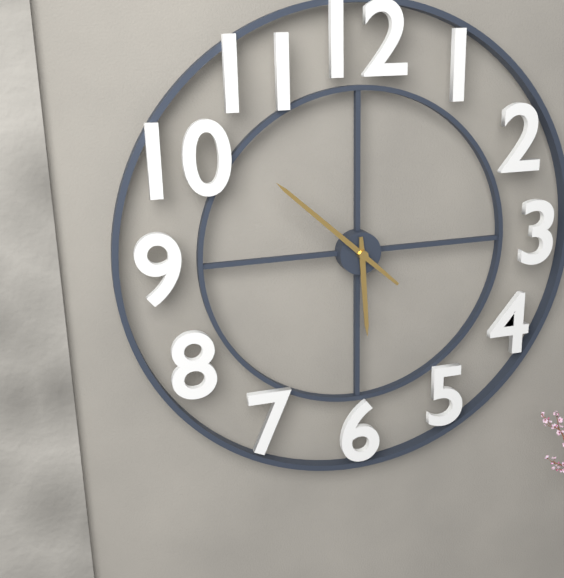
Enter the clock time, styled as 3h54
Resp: 5h52
